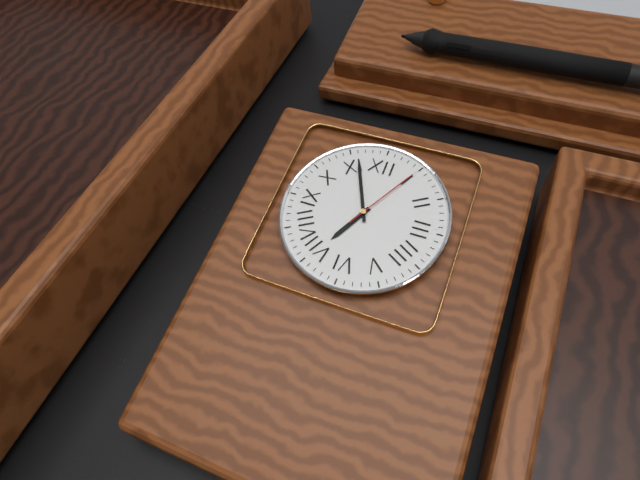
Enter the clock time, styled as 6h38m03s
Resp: 6h56m05s
